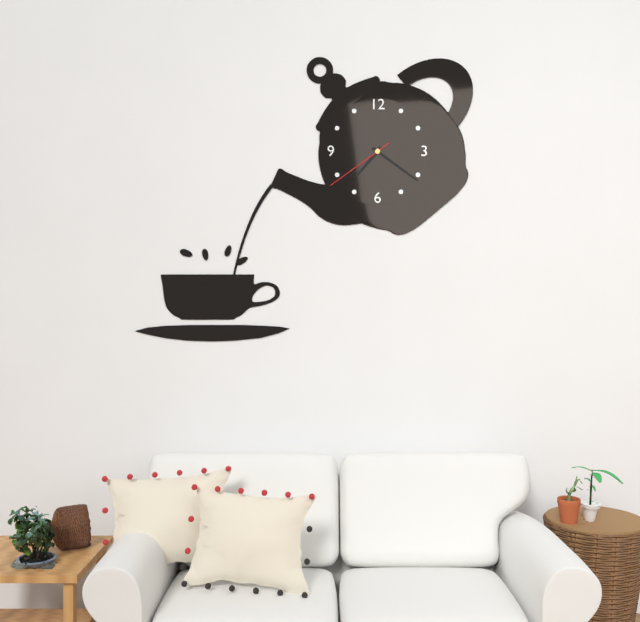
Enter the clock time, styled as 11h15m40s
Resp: 7h21m39s
